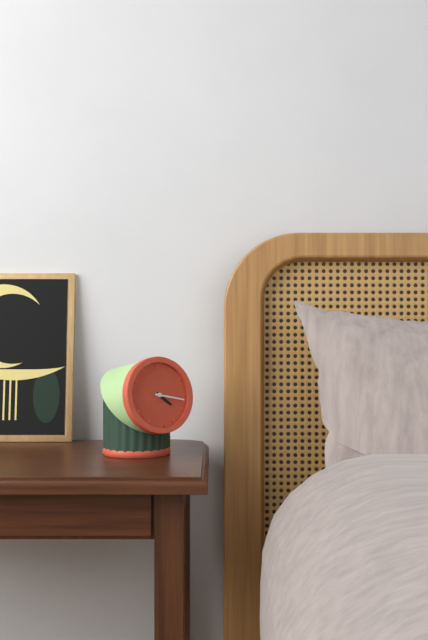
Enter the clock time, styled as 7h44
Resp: 4h17
